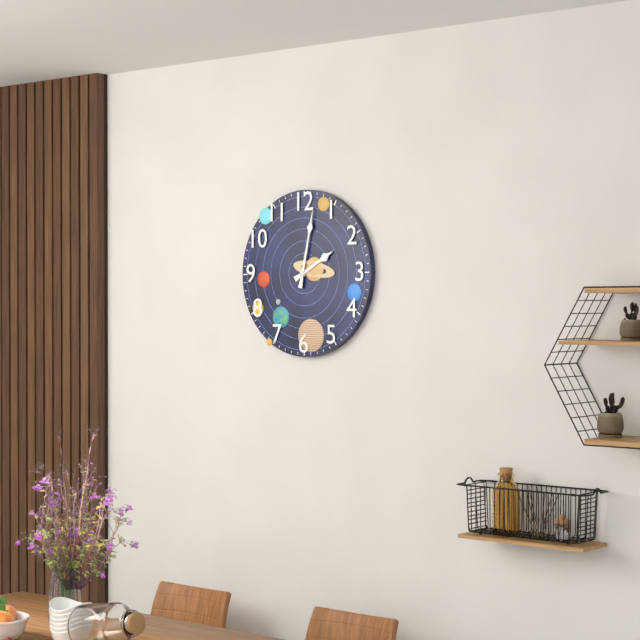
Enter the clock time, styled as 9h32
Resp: 2h02
